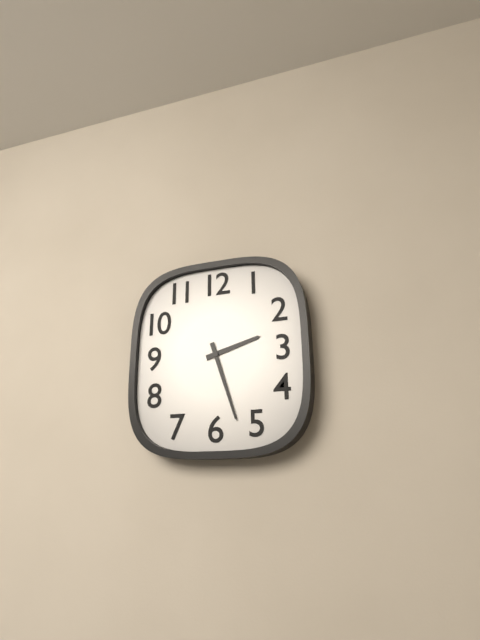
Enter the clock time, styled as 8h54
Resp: 2h27
